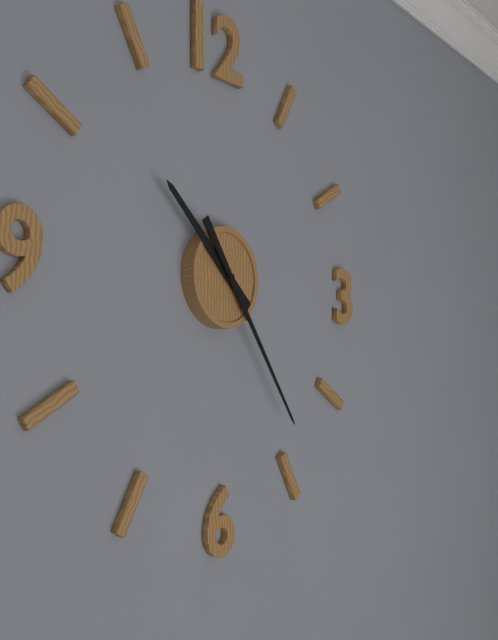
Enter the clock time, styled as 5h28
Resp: 10h24
